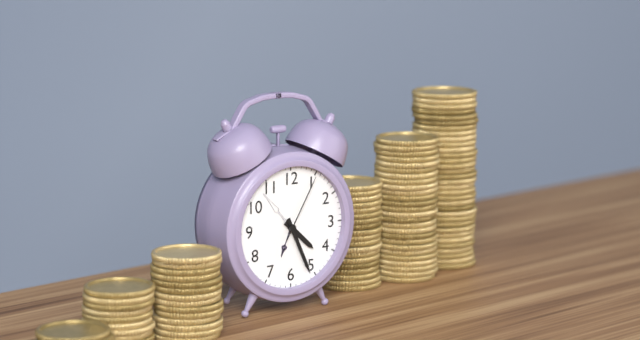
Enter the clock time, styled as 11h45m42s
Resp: 4h26m05s
